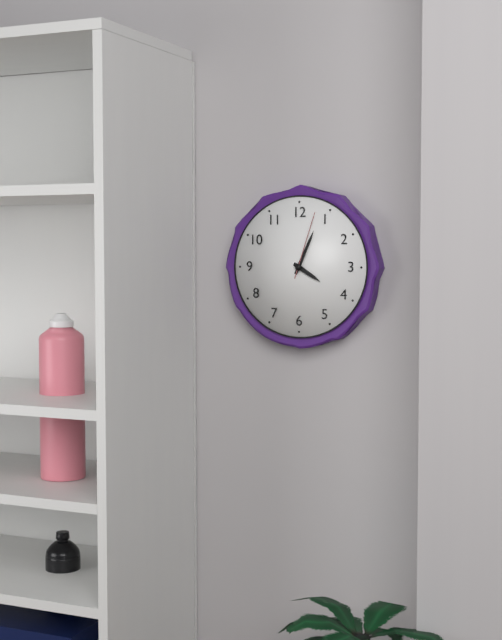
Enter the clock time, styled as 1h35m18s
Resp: 4h04m03s
